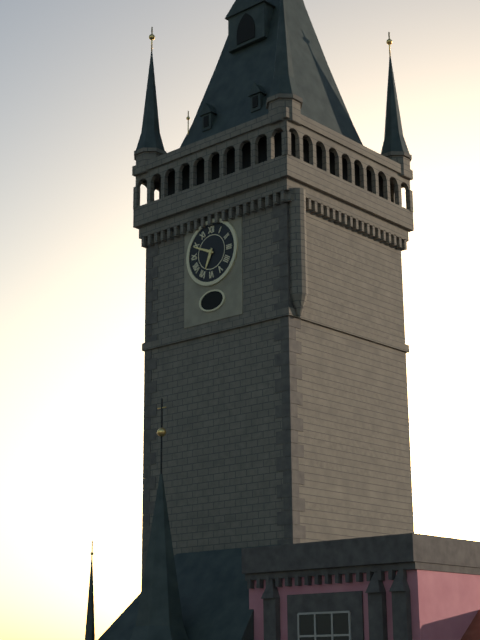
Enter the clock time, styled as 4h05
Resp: 6h49
